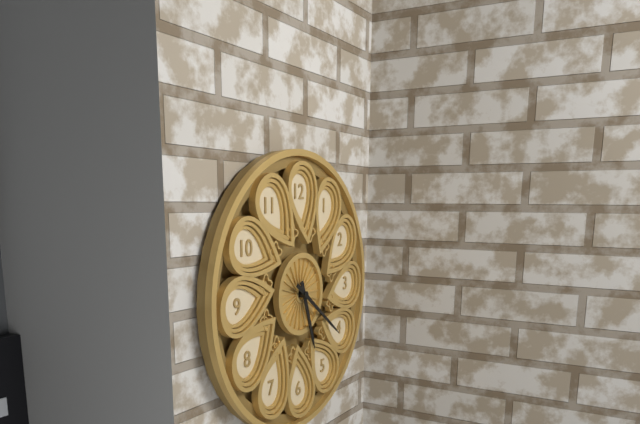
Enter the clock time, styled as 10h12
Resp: 5h21
